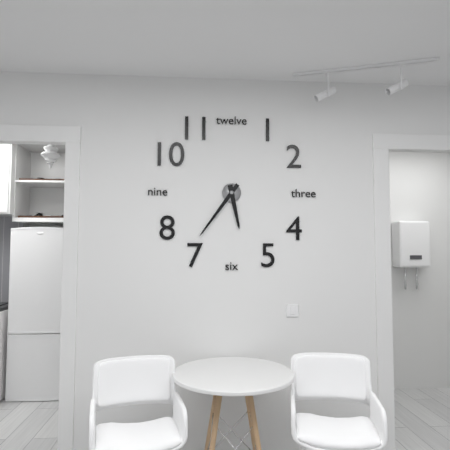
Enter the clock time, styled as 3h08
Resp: 5h36
